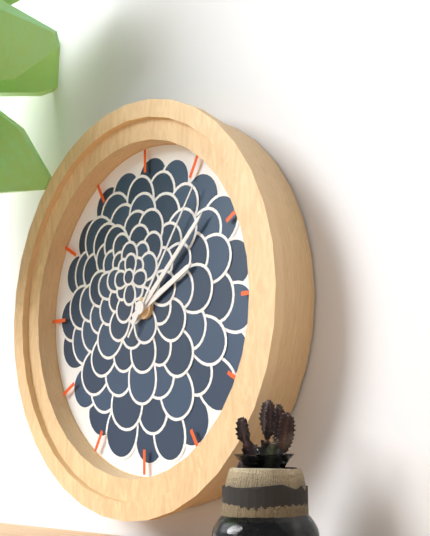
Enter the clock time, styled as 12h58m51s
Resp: 2h08m06s
